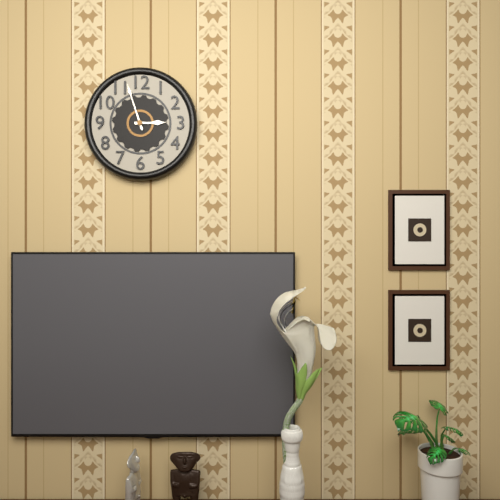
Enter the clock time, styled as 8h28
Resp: 2h57
